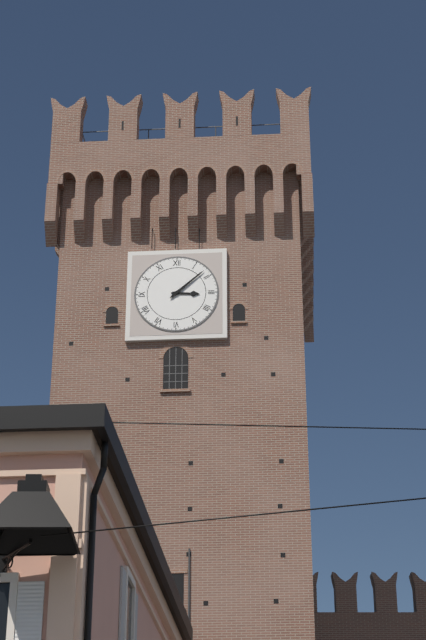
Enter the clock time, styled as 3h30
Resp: 3h08
